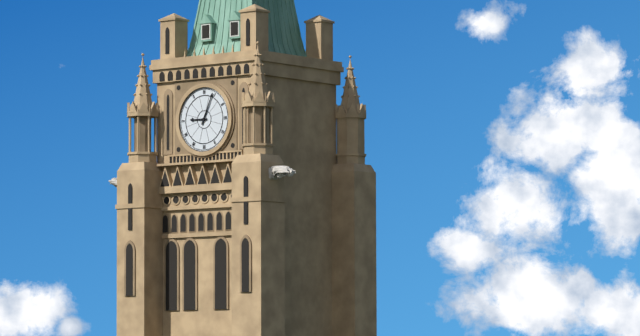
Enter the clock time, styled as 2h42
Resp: 9h04
